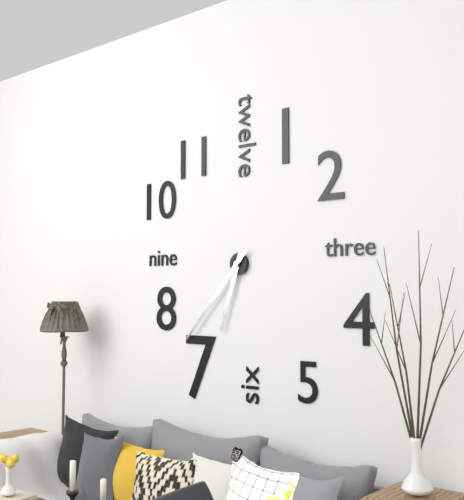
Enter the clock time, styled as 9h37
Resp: 6h37
